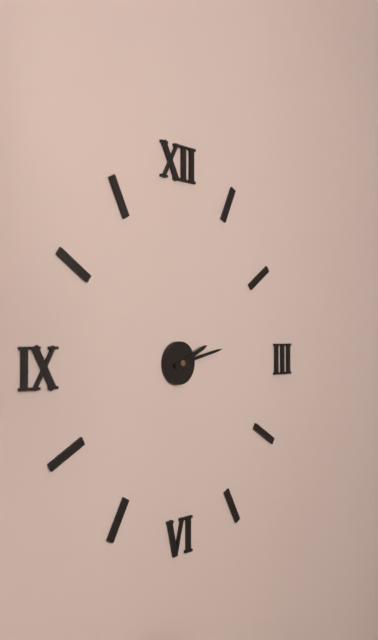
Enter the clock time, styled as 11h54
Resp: 2h13
